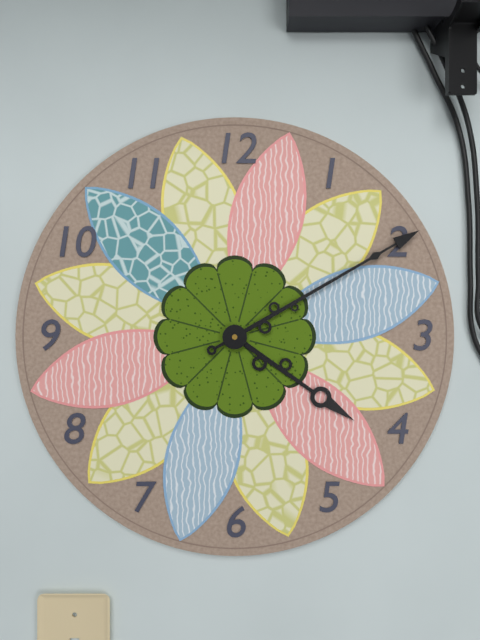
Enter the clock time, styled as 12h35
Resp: 4h10
